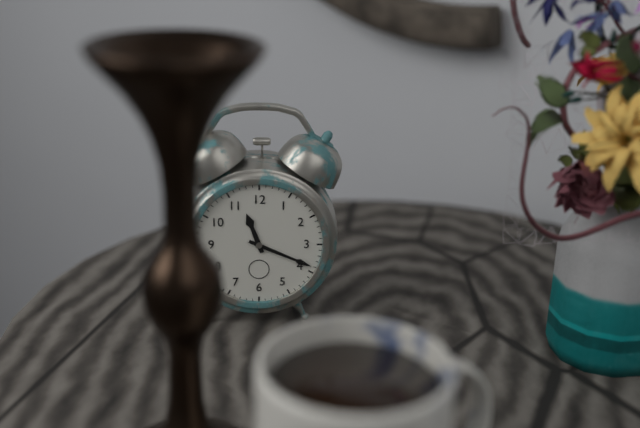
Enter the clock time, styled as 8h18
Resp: 11h19
